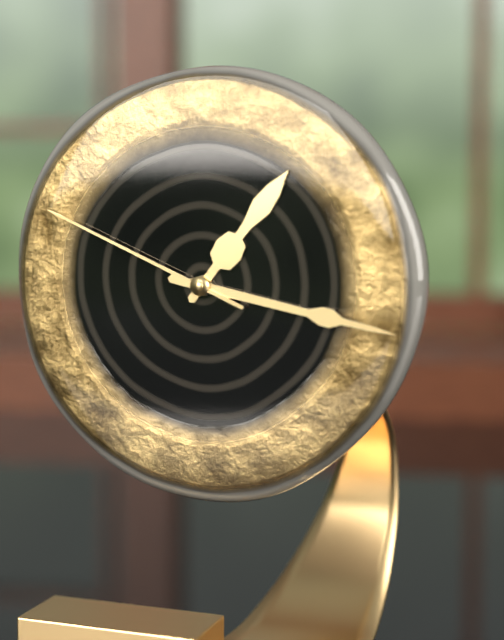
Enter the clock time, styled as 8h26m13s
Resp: 1h17m49s
